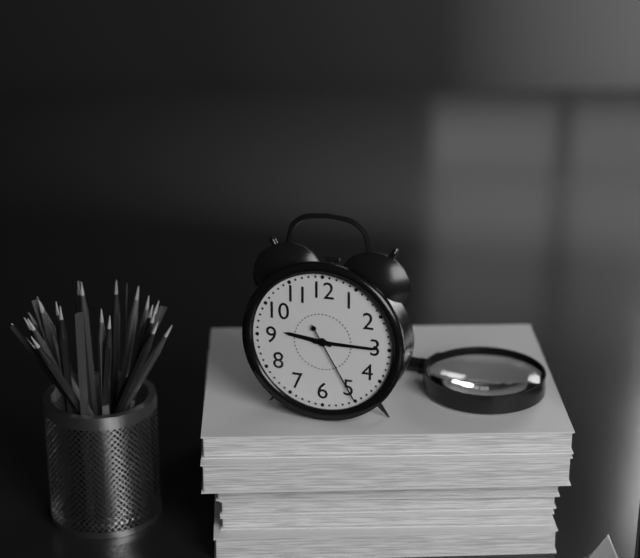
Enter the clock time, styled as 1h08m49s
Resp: 9h15m25s
